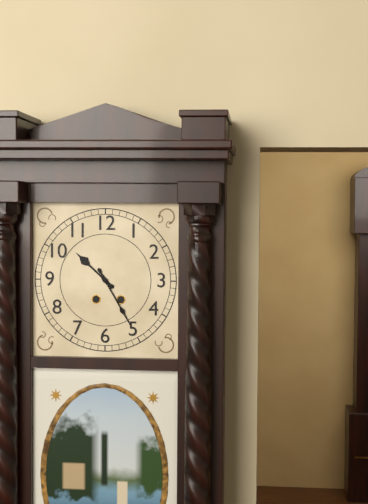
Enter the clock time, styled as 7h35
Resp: 10h25
